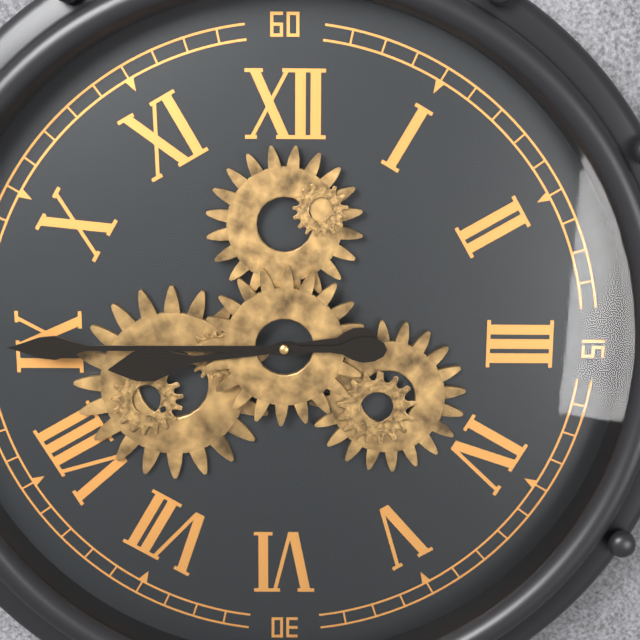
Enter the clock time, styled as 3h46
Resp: 8h45
